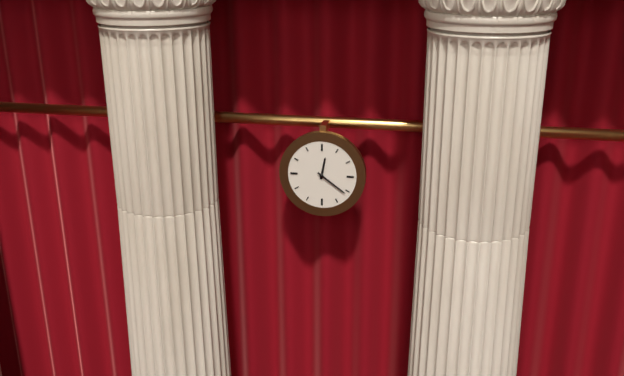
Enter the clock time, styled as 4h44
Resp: 12h21
